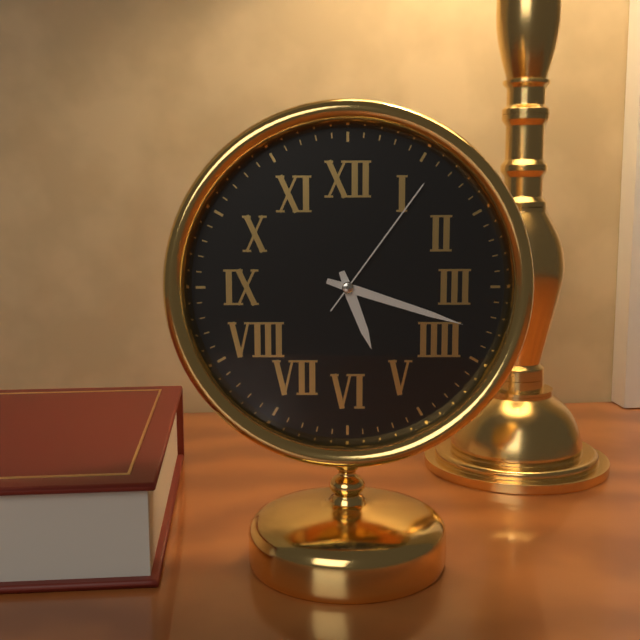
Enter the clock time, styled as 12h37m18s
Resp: 5h18m06s
